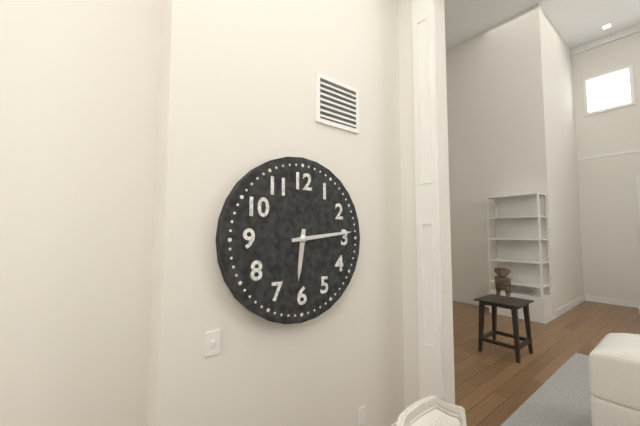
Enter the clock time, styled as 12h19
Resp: 6h14
